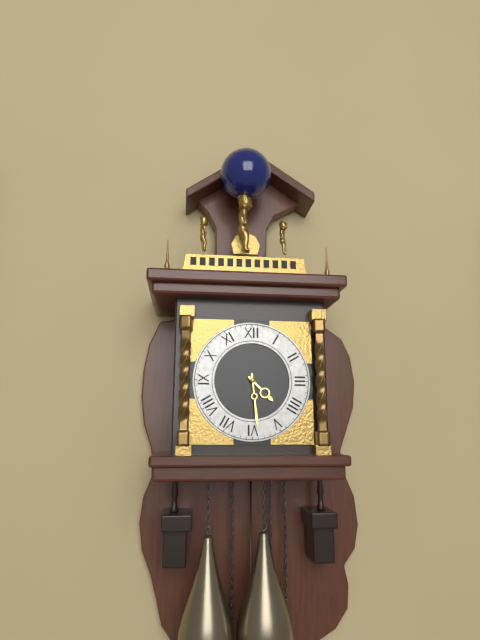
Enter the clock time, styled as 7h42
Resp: 4h29
